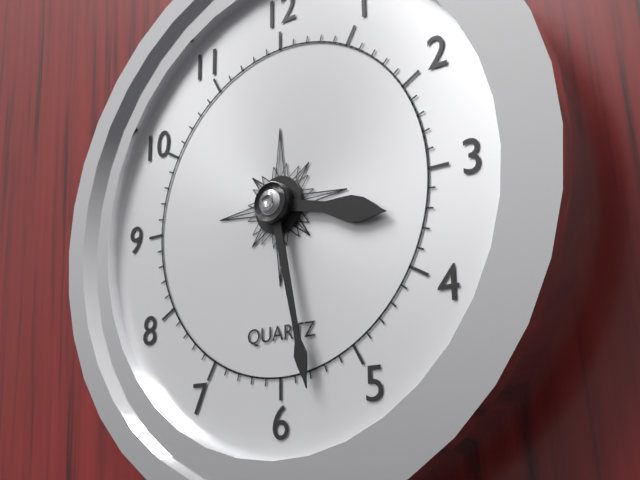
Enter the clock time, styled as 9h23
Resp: 3h28
